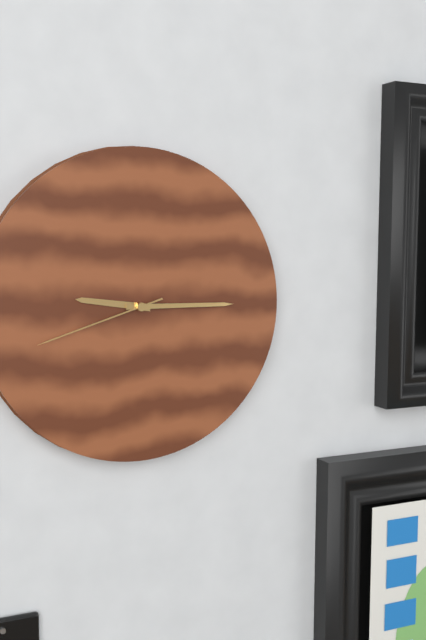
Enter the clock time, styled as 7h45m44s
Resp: 9h15m42s
